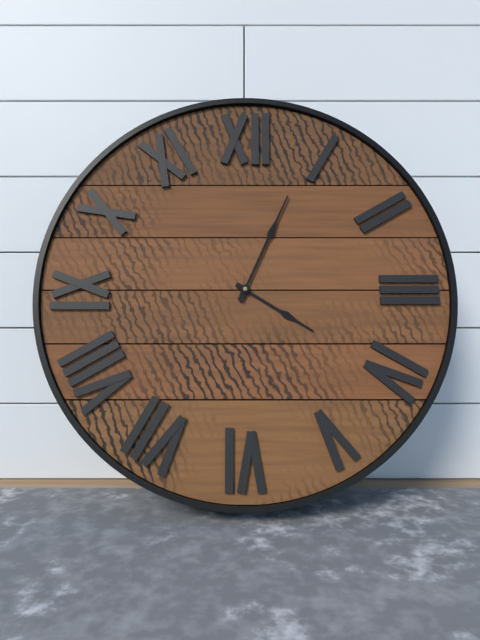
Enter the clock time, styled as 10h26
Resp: 4h04
